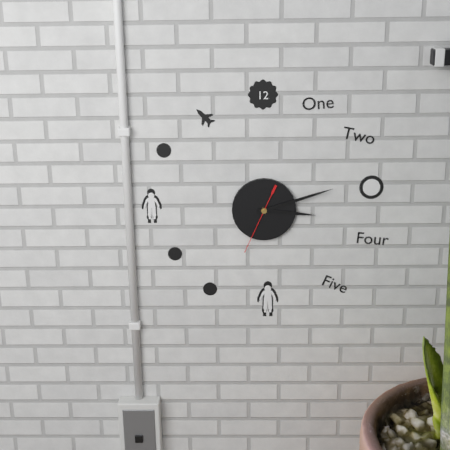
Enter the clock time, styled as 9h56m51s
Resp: 3h12m34s
